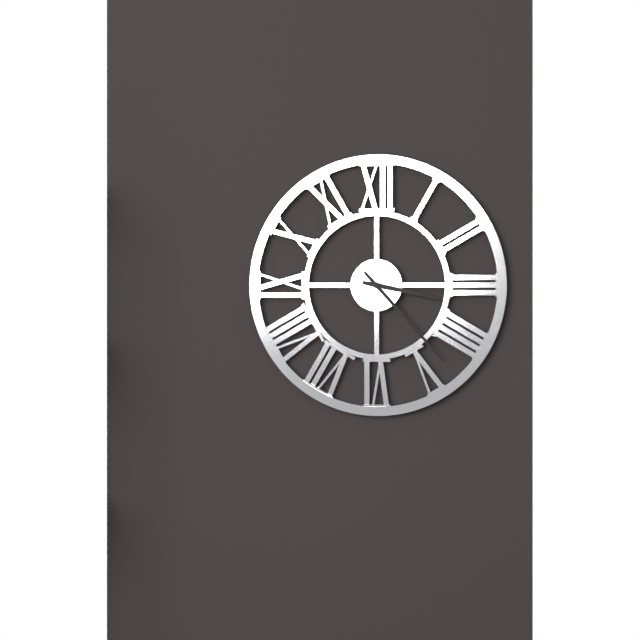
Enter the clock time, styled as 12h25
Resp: 3h23
